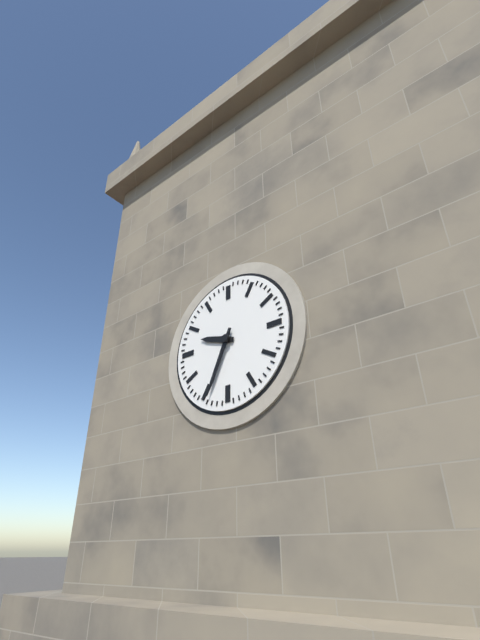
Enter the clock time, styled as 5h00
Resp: 9h34
